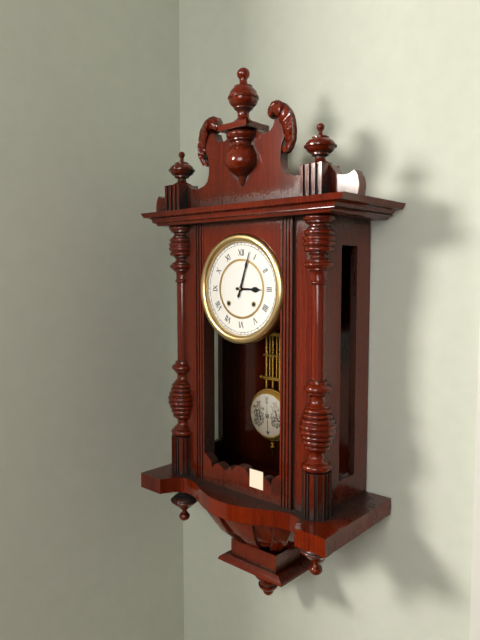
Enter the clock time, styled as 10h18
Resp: 3h03
